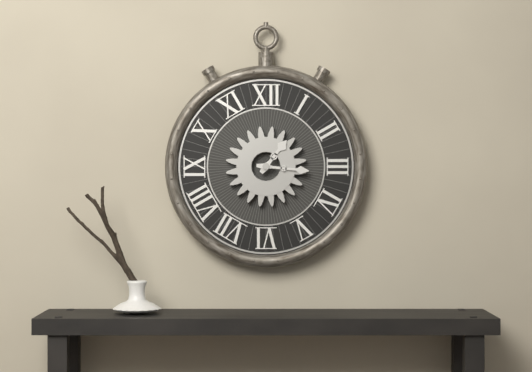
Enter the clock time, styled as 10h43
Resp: 1h16
